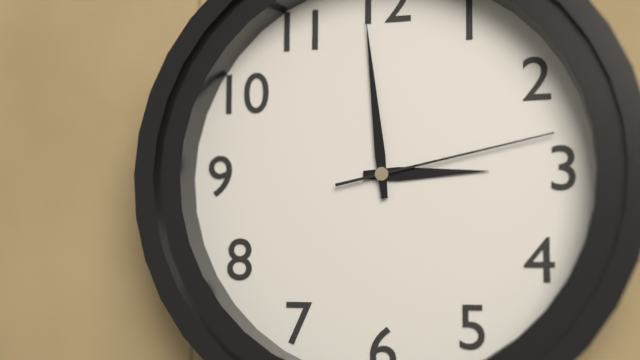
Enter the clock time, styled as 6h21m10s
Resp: 2h59m13s
